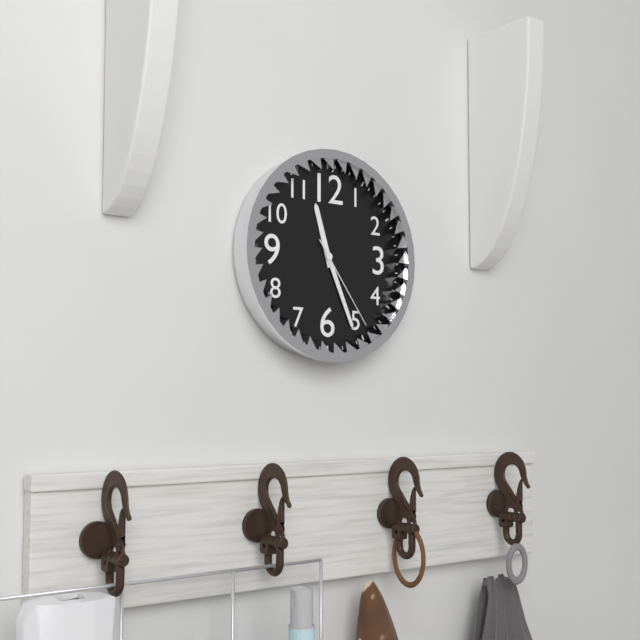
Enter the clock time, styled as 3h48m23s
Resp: 11h26m24s
